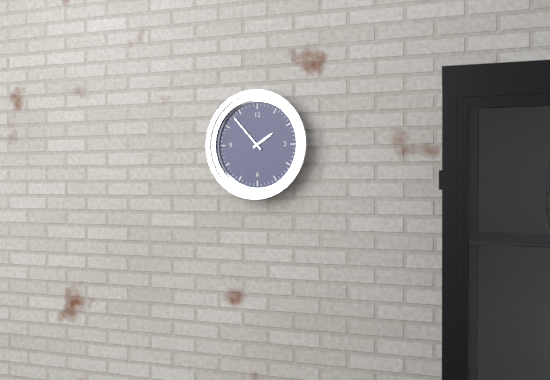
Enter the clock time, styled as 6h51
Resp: 1h53
